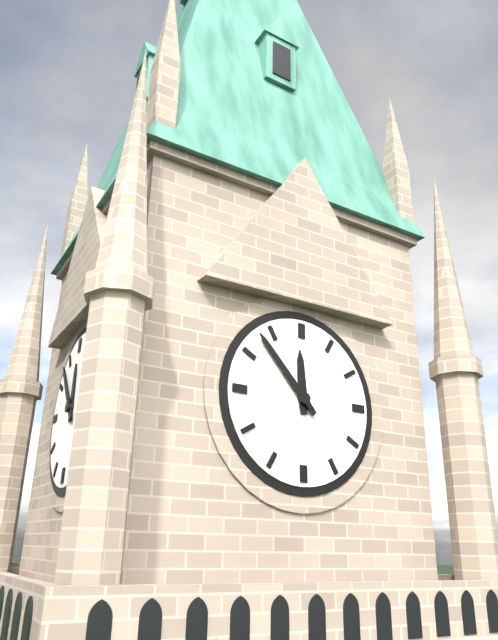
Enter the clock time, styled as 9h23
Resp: 11h53
